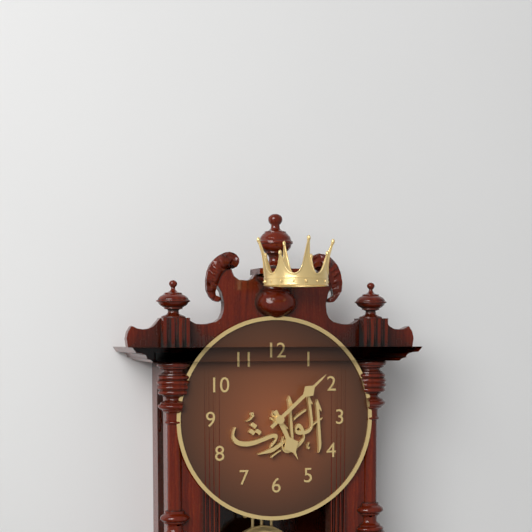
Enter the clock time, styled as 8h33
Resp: 5h08
